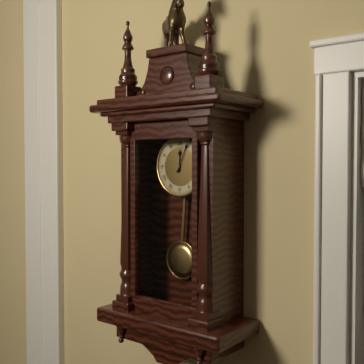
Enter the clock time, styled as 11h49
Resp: 12h04
